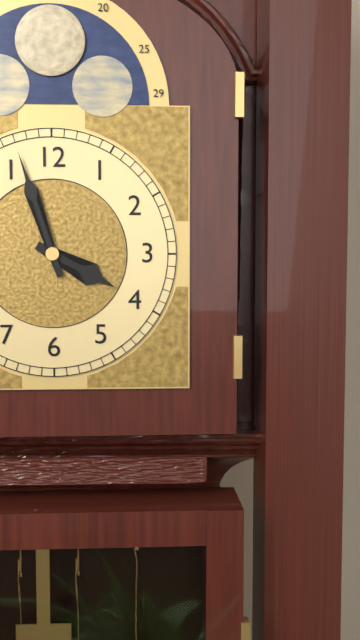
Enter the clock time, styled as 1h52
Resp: 3h57
